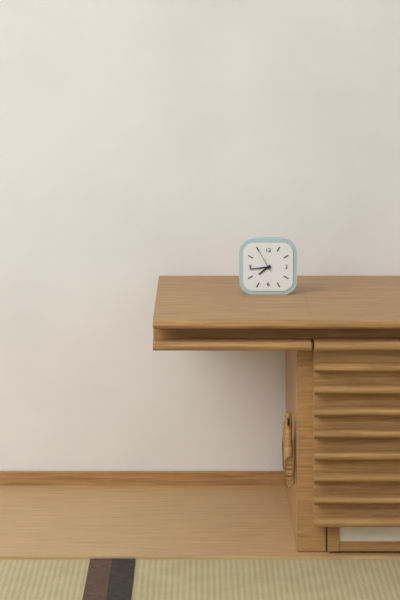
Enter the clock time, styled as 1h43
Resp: 7h44
